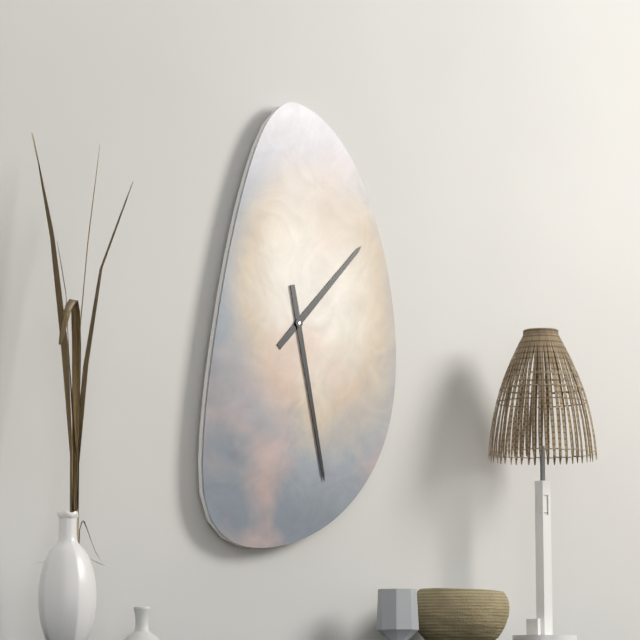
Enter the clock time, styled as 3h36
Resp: 1h28
